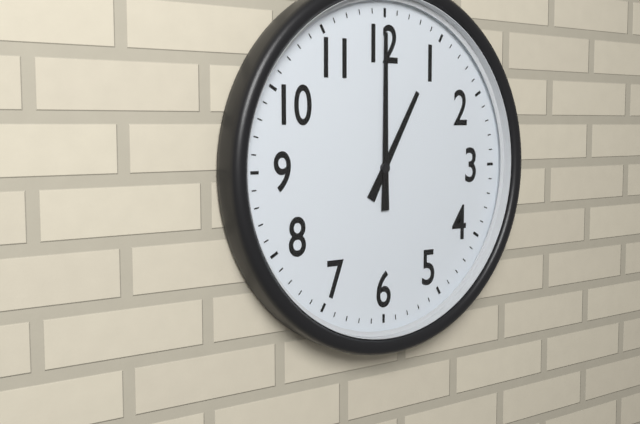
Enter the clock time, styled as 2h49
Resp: 1h00
